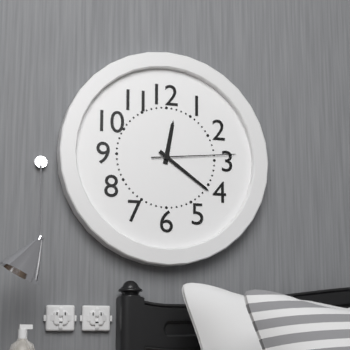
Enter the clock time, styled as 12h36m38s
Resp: 12h21m14s
